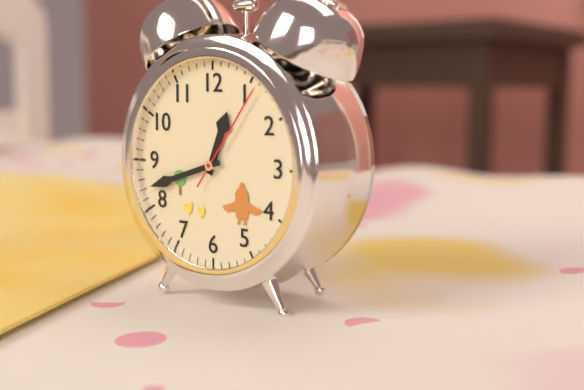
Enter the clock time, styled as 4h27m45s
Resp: 12h42m06s
